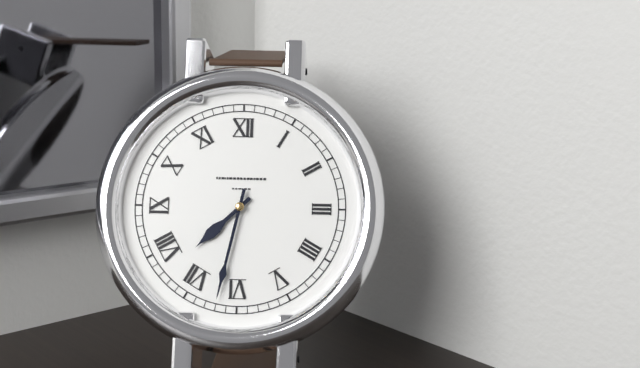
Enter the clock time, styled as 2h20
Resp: 7h32
